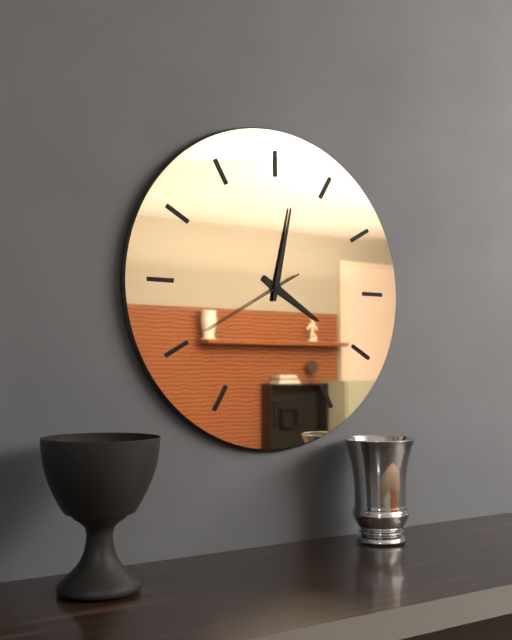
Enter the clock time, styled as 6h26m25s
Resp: 4h02m40s
